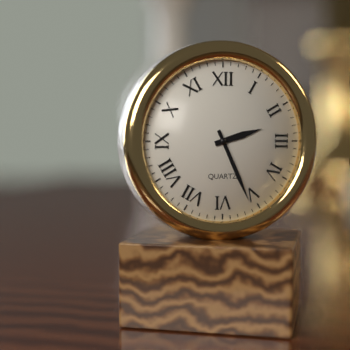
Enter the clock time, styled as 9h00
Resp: 2h26
